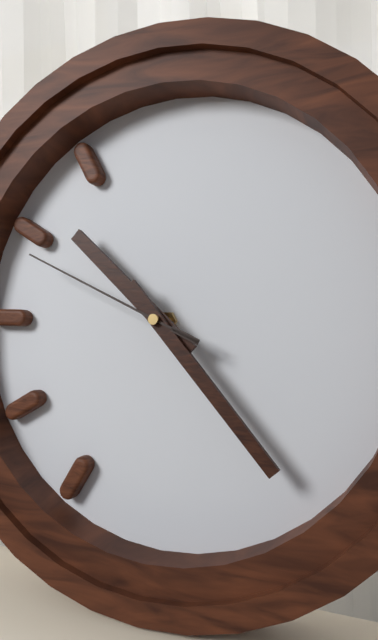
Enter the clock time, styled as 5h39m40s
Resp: 10h23m49s
